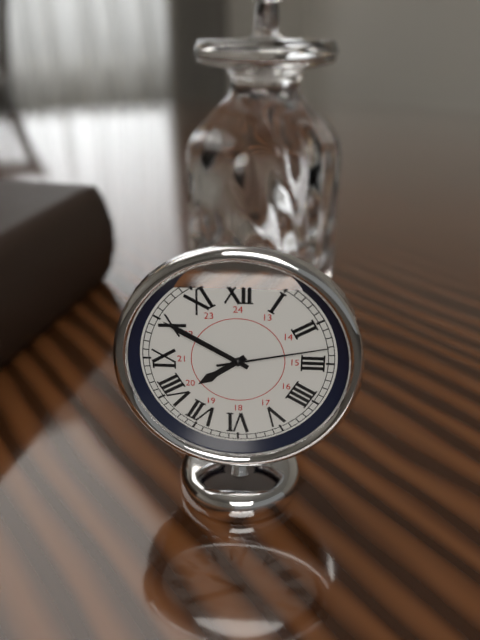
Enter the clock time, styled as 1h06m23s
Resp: 7h50m13s
